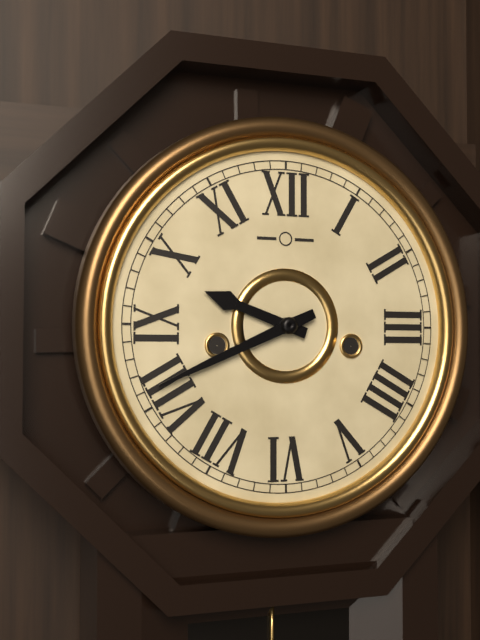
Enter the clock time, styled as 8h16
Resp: 9h41
